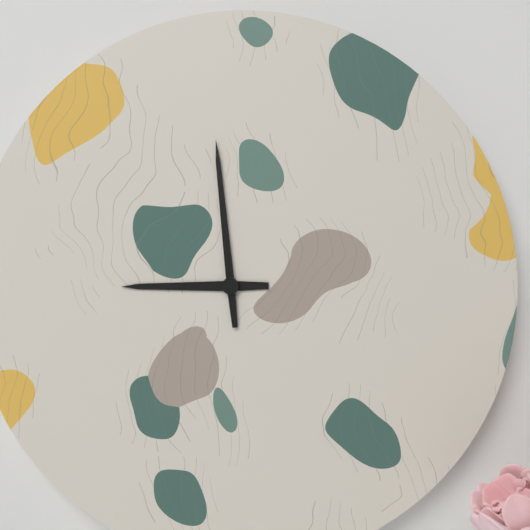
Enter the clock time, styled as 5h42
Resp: 8h59
